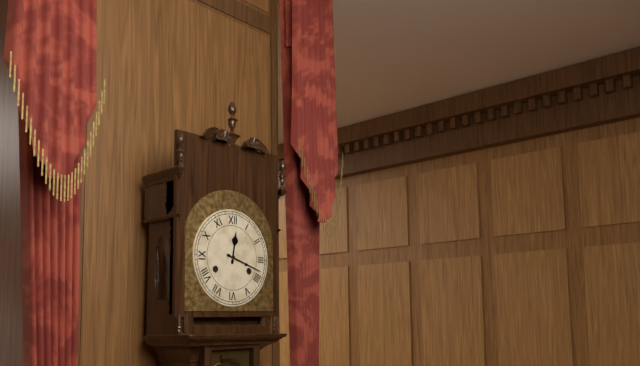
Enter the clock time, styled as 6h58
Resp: 12h18
